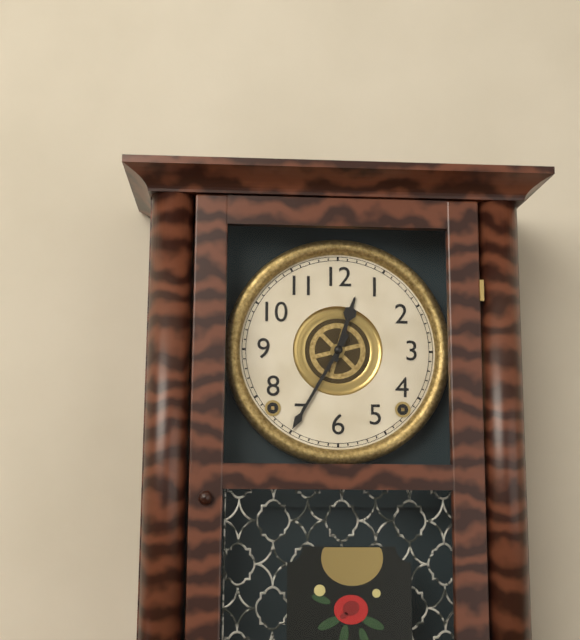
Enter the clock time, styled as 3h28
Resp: 12h35
